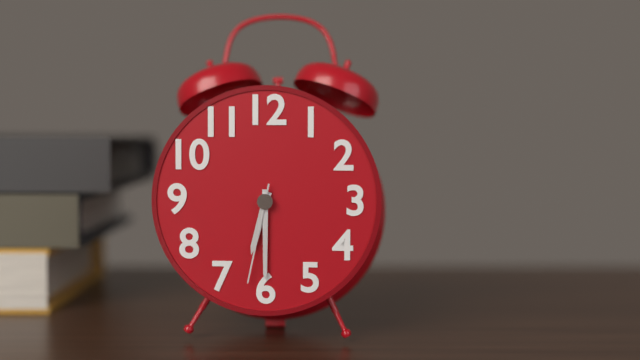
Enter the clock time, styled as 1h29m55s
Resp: 6h30m32s
